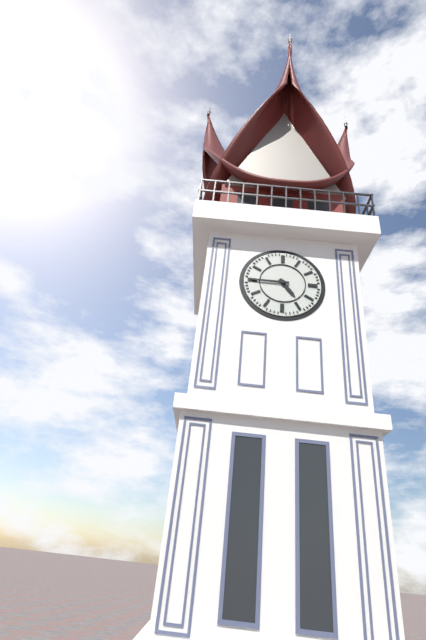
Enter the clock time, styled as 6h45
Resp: 4h45
